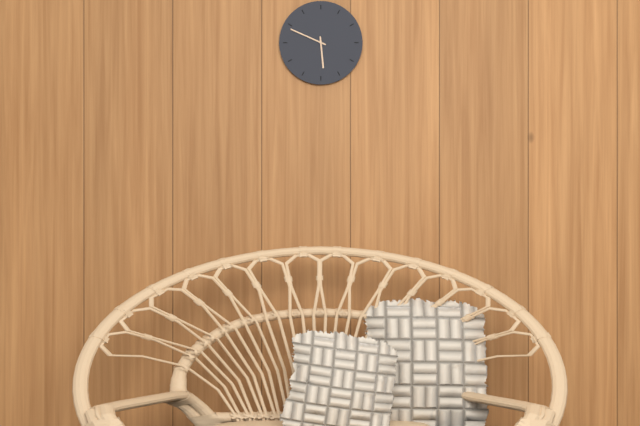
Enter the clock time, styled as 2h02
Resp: 5h49
